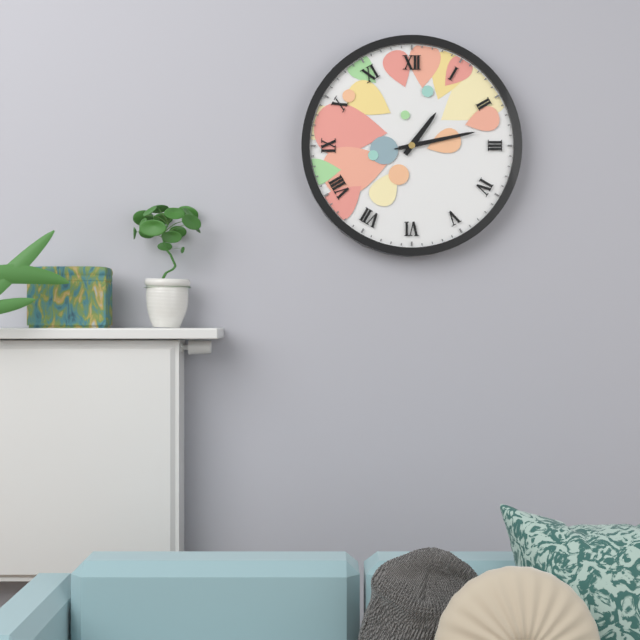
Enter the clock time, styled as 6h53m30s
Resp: 1h13m13s
